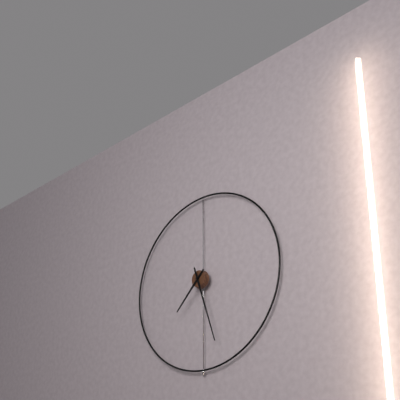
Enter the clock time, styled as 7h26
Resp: 7h27
